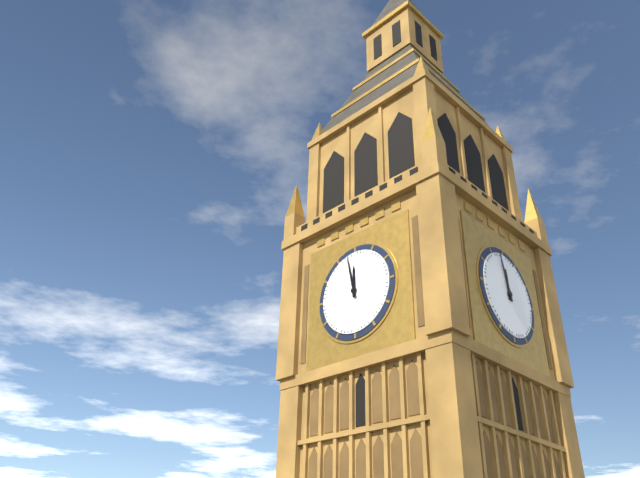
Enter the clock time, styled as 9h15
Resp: 11h58
